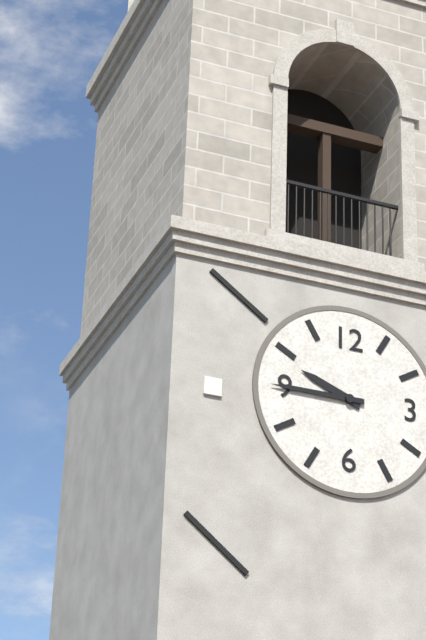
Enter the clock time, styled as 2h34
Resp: 9h45
